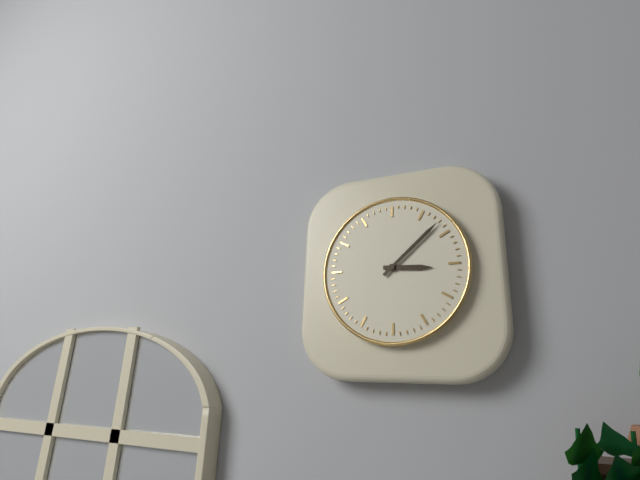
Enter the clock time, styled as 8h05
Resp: 3h08
